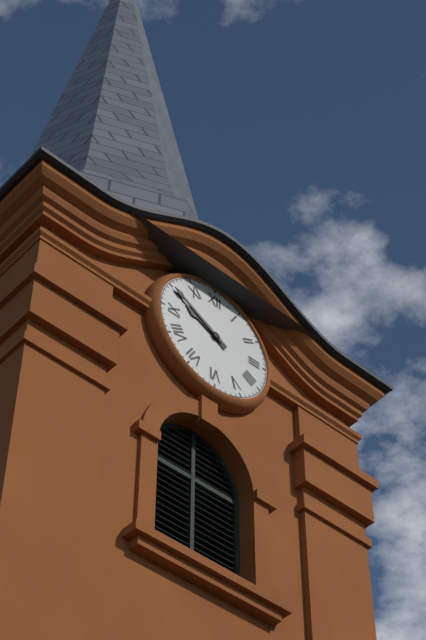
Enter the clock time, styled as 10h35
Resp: 9h50
